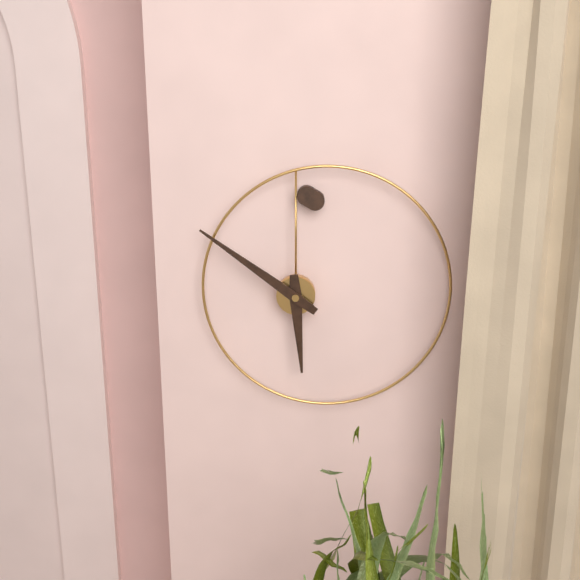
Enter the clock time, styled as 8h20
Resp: 5h51
